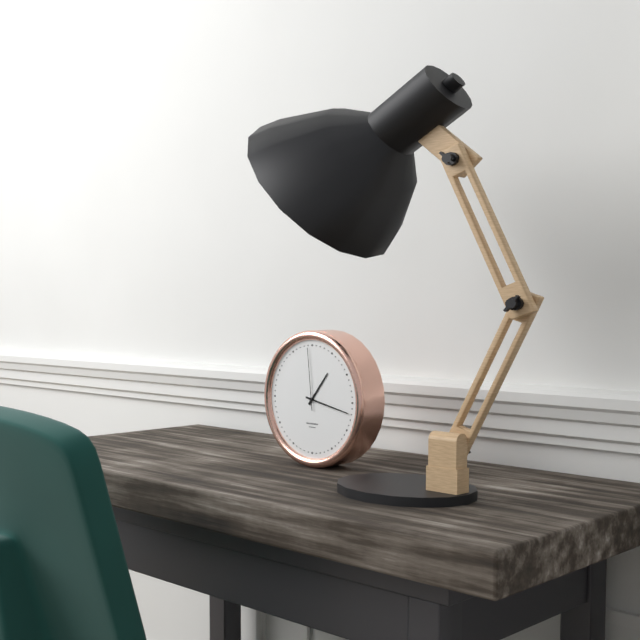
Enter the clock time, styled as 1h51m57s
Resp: 1h17m59s
